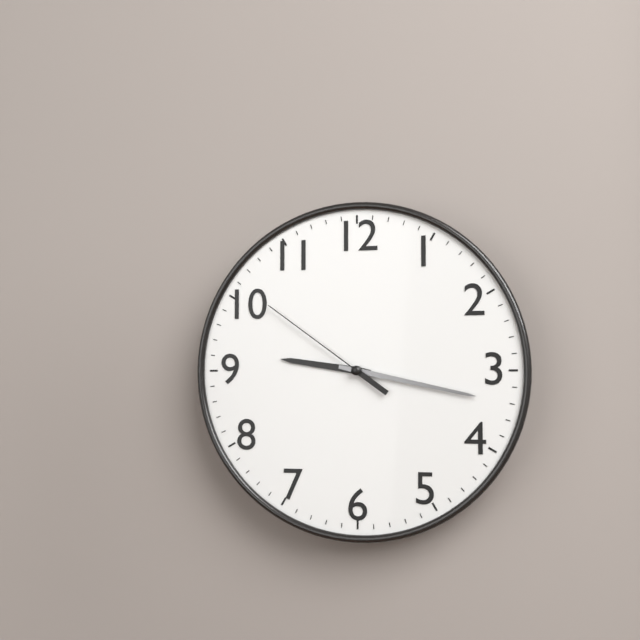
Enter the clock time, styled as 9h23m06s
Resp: 9h17m51s
